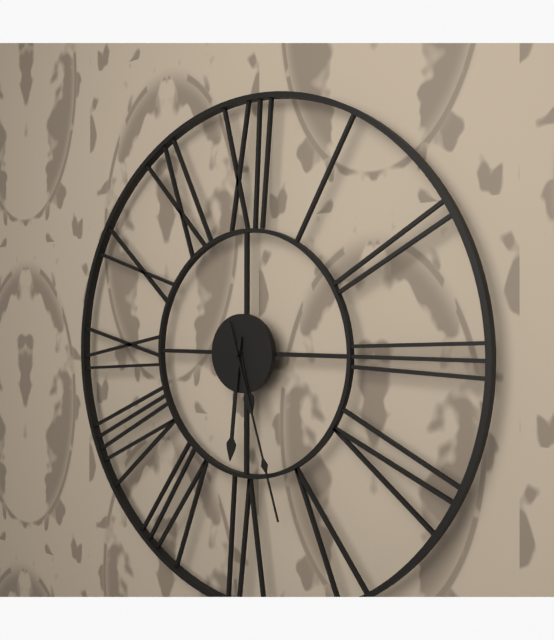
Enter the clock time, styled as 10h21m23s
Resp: 5h31m27s
